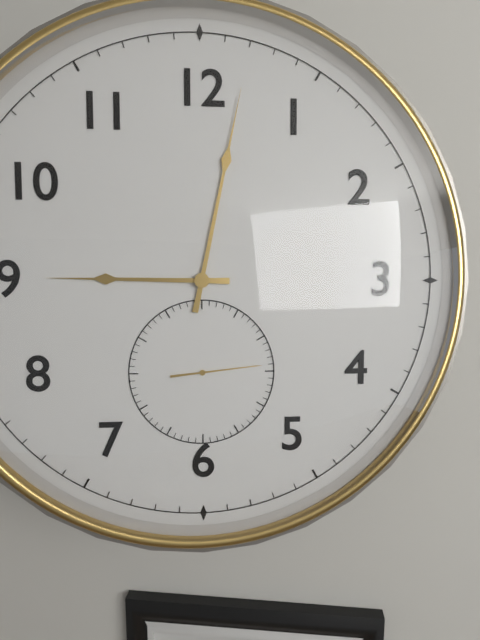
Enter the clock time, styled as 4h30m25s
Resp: 9h02m14s
